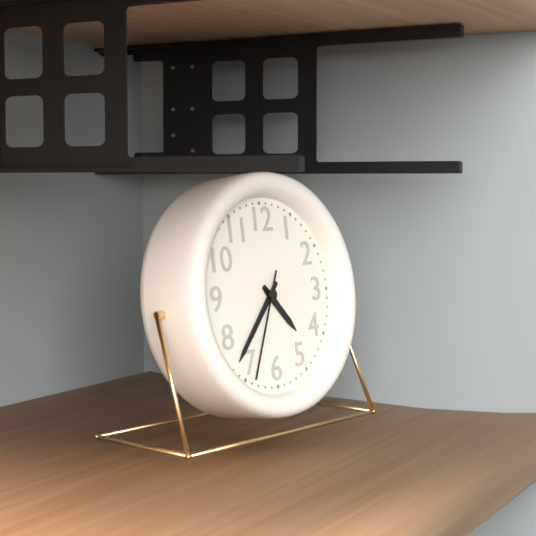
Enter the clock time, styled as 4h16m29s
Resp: 4h37m34s
